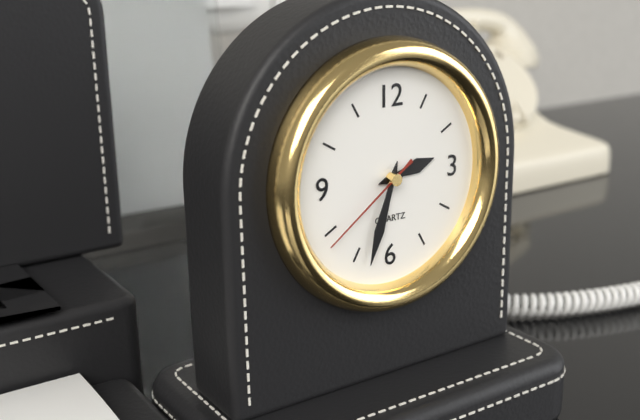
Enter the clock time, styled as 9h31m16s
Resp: 2h33m39s
